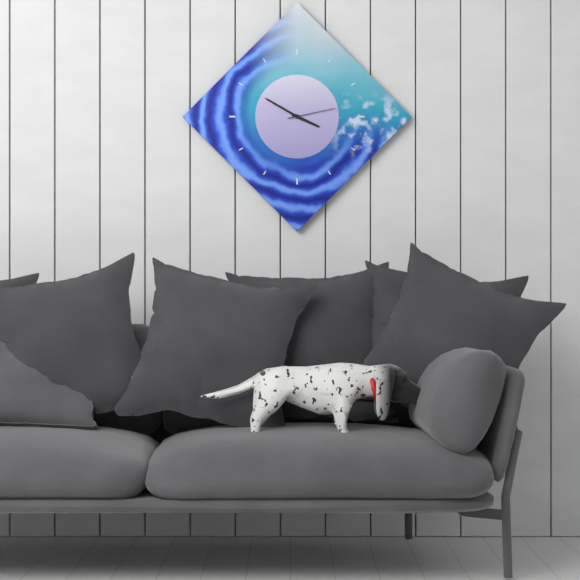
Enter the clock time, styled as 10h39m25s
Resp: 3h50m13s
